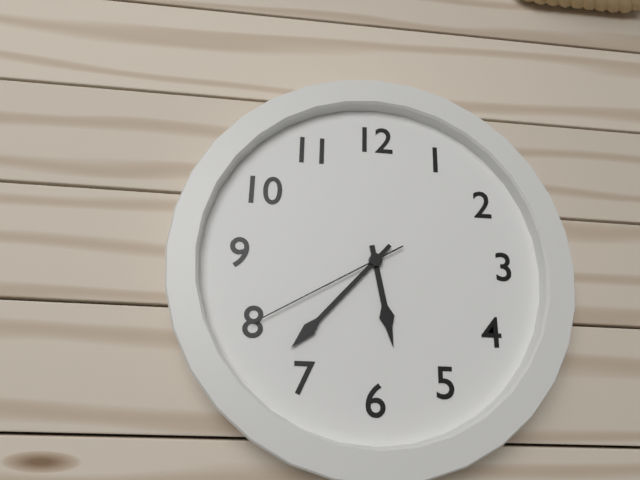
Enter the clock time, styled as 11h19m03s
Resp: 5h37m40s
